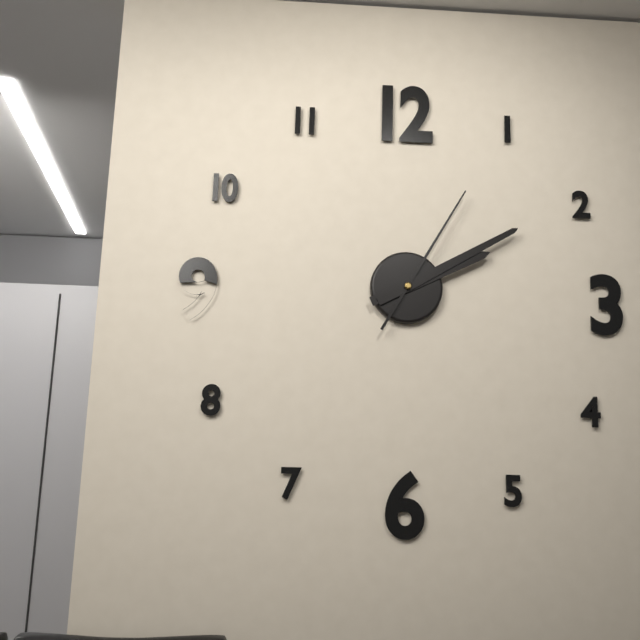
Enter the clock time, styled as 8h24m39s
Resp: 2h10m05s
